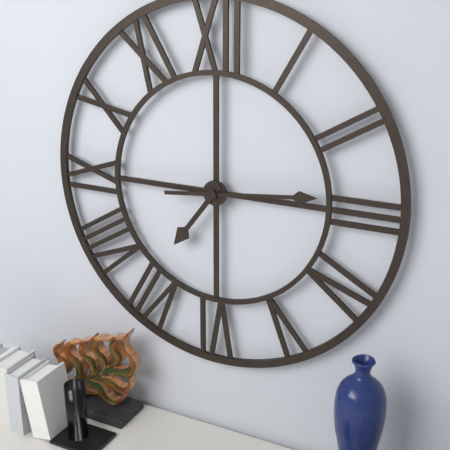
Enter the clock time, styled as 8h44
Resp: 7h14
